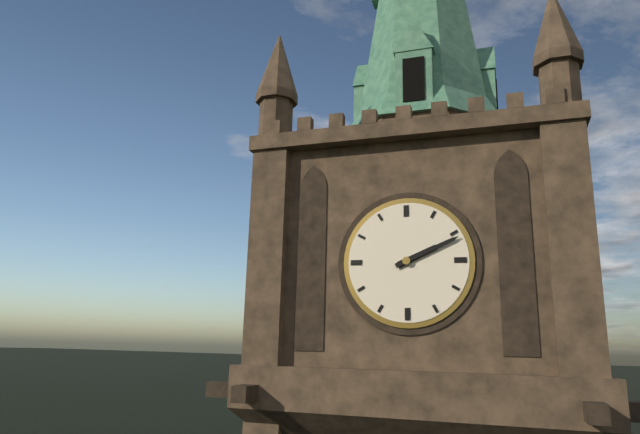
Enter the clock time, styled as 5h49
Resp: 2h11
